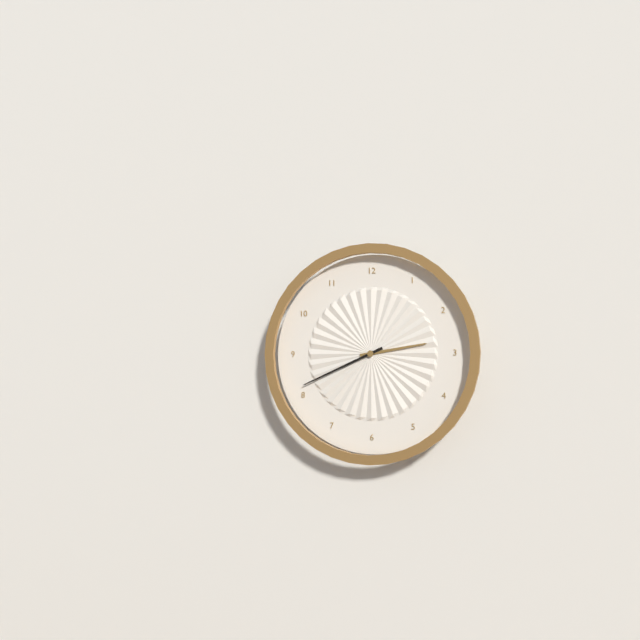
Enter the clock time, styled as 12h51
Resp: 2h41
